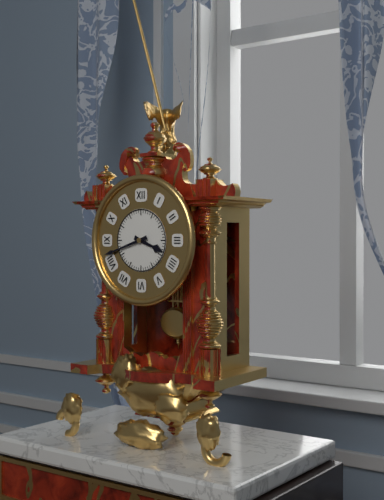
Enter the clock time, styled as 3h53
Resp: 3h42
